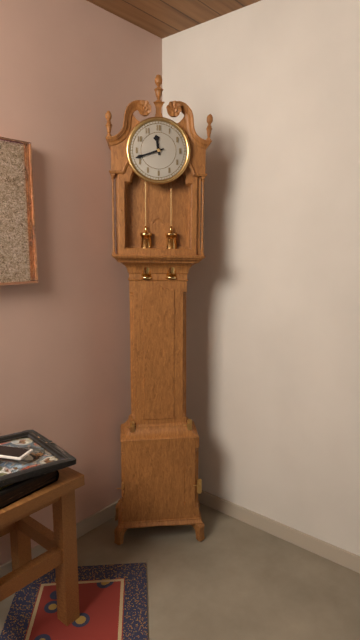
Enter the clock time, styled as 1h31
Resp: 11h42
